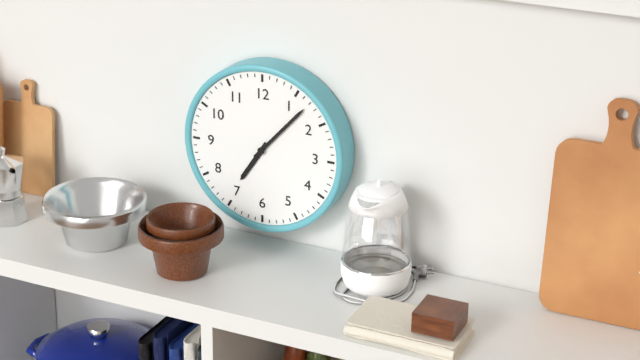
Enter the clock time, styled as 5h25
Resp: 7h07
